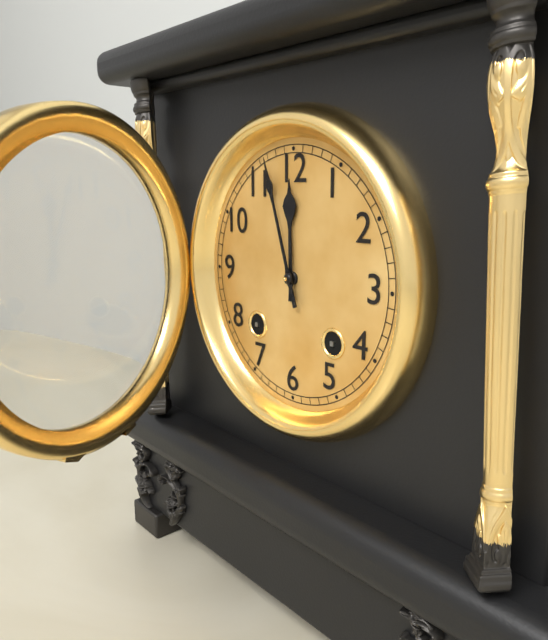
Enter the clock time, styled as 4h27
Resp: 11h57
